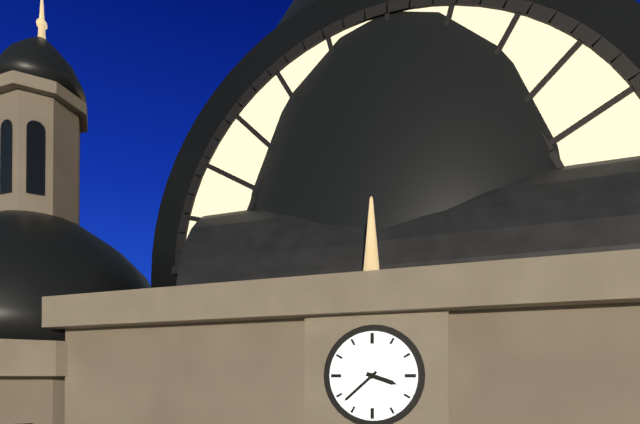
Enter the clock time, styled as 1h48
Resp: 3h38
